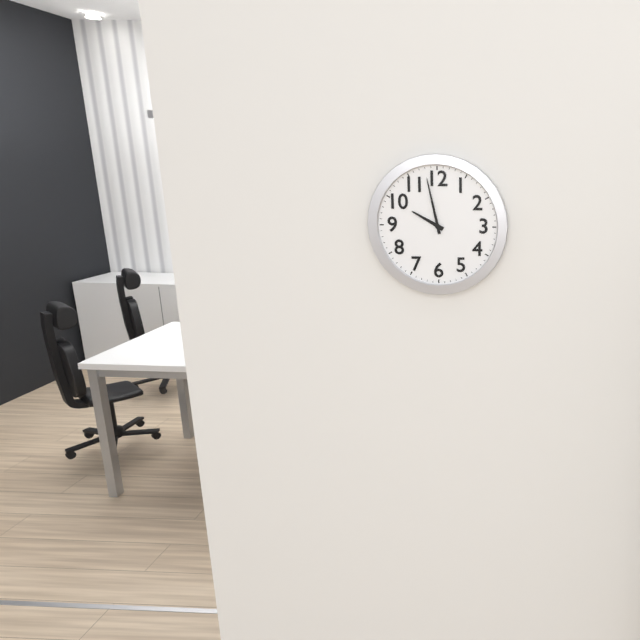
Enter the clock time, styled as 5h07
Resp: 9h58
